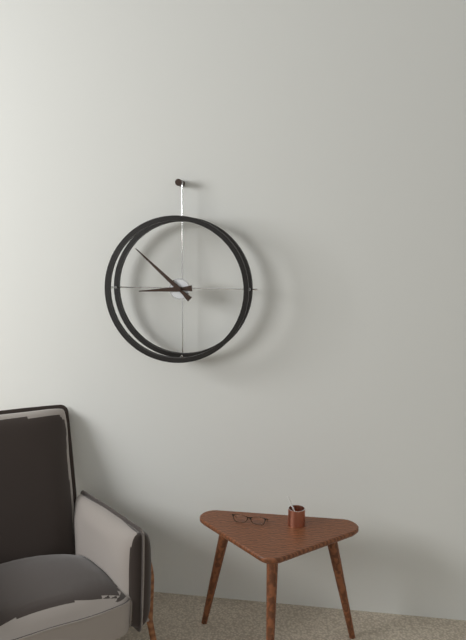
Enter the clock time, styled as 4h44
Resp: 8h52
